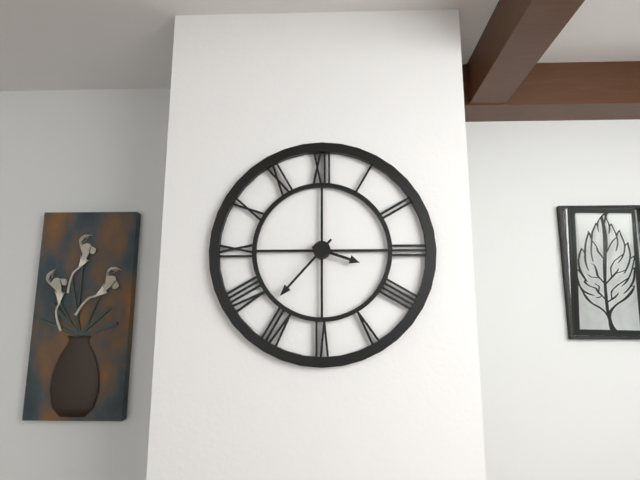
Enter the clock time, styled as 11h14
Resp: 3h37
